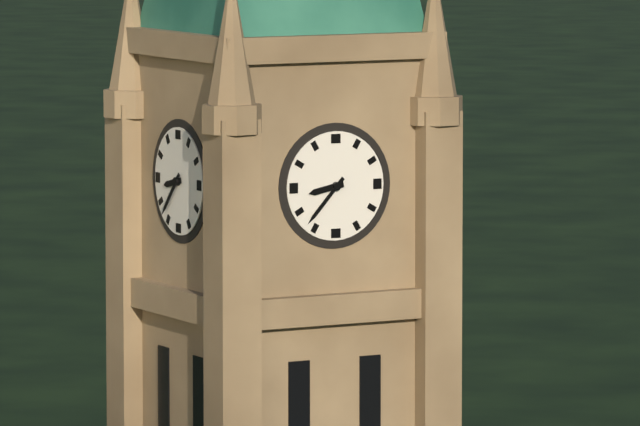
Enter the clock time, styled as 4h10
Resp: 8h37
